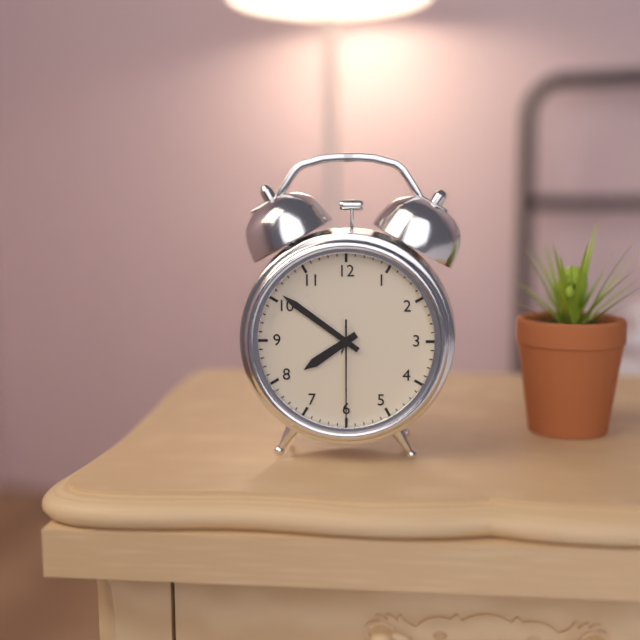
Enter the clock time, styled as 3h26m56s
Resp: 7h51m30s
